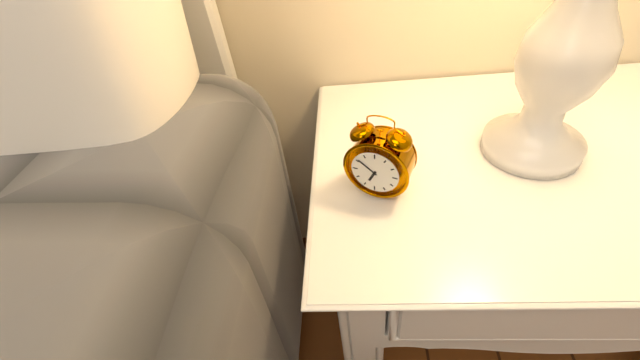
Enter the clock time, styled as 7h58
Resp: 6h51
